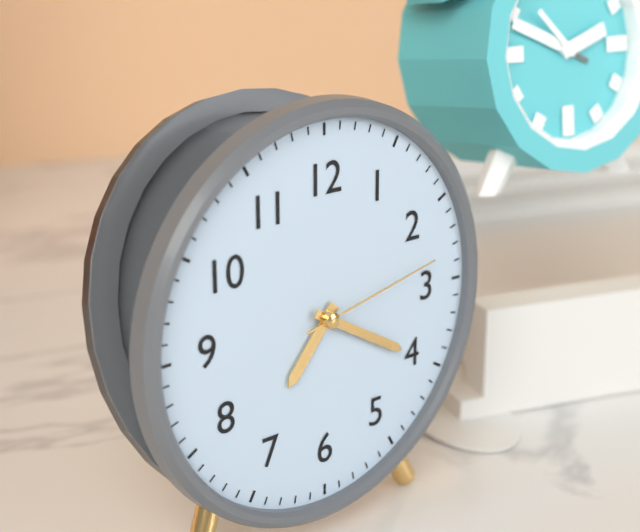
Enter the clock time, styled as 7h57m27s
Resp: 7h20m13s
